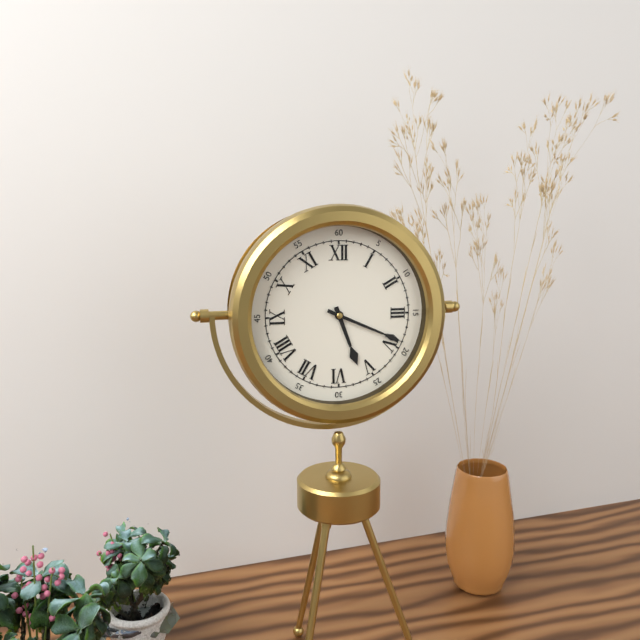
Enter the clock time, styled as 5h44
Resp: 5h19
